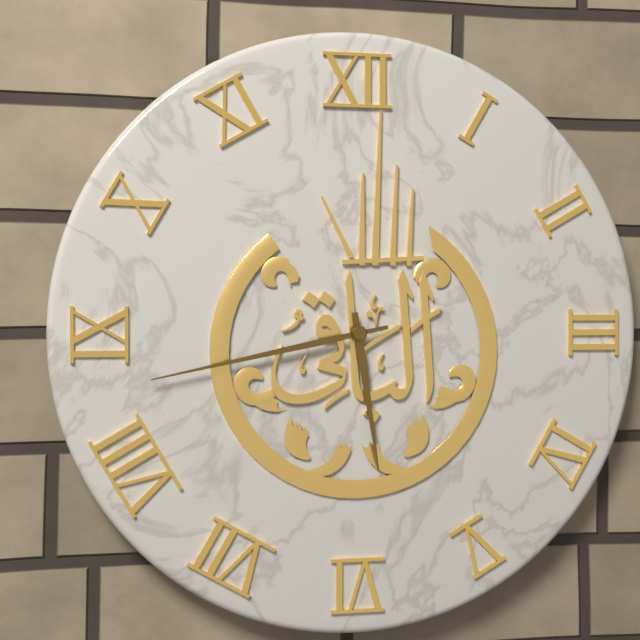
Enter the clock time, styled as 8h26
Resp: 5h43
